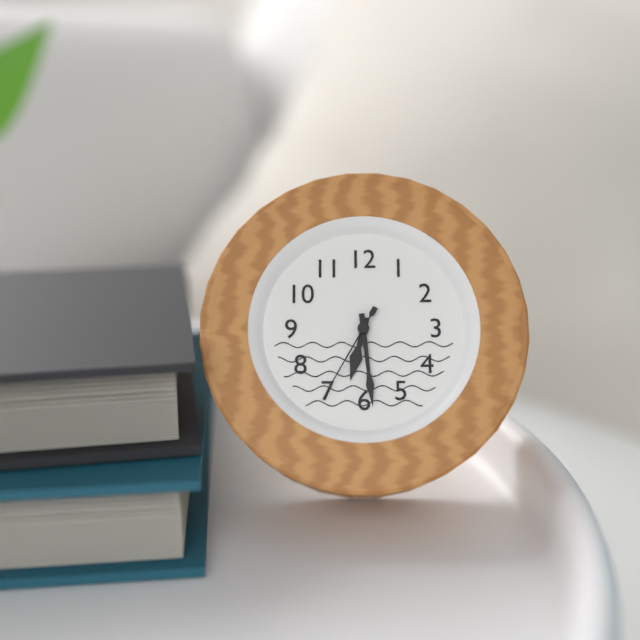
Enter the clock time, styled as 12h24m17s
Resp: 6h29m35s
